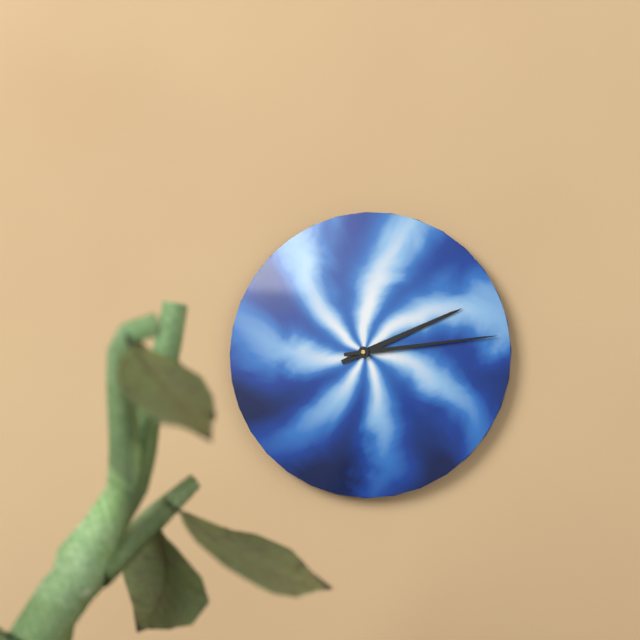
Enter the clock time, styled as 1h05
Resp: 2h14
